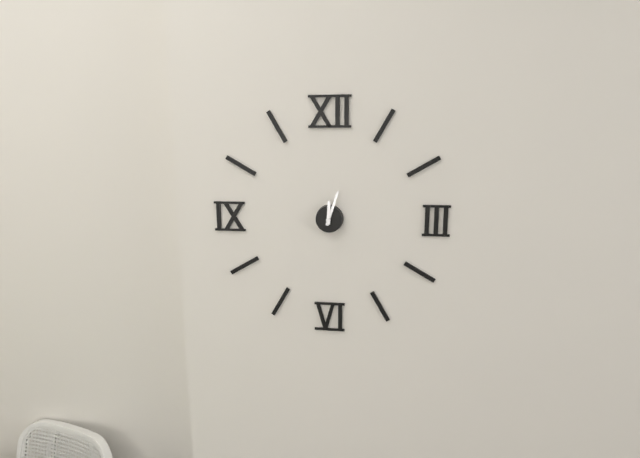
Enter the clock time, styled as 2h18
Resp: 12h03
